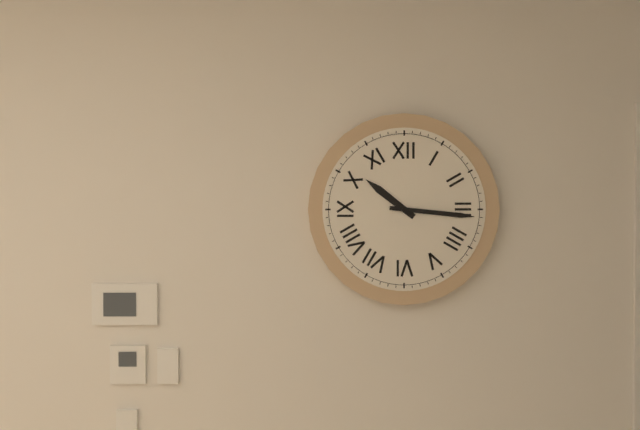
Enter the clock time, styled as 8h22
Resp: 10h16
